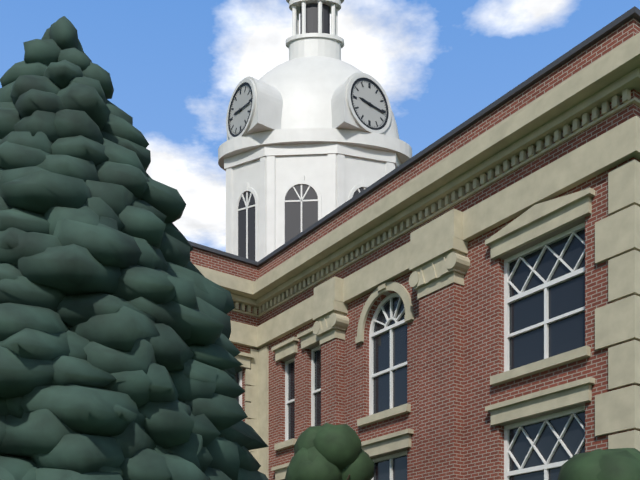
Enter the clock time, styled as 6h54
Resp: 9h16
